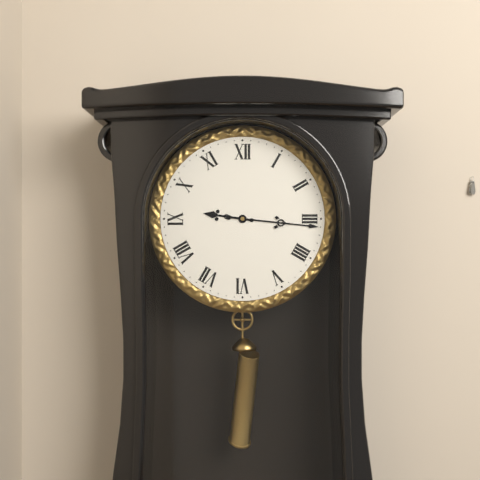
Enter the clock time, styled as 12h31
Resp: 9h16
